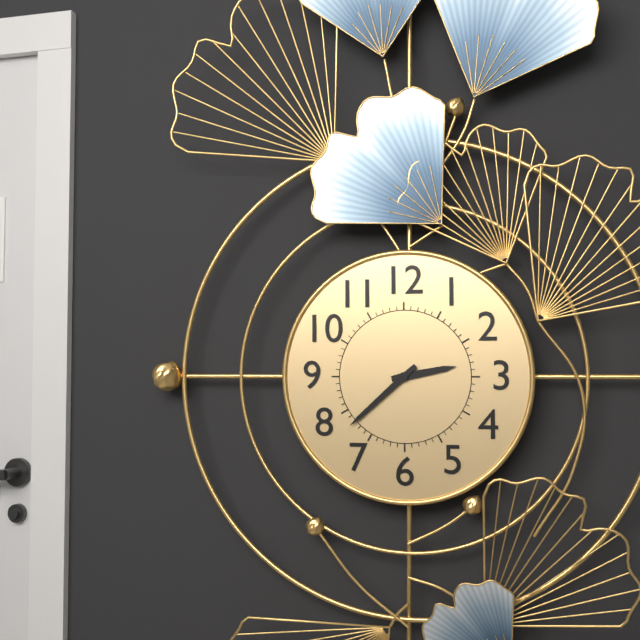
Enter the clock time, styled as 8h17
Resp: 2h38
